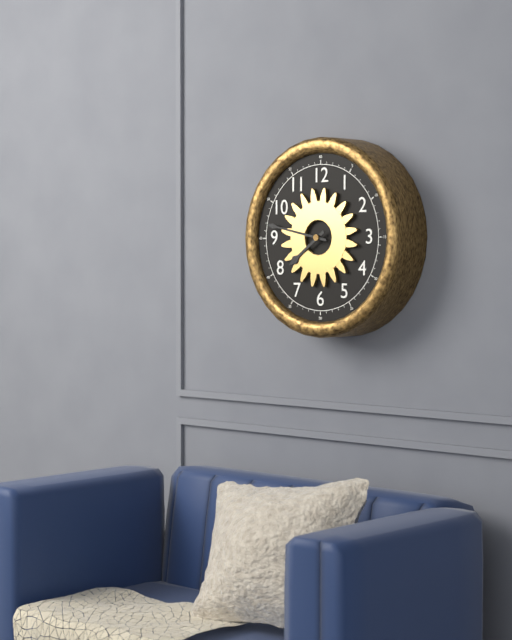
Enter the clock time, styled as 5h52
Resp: 7h47
